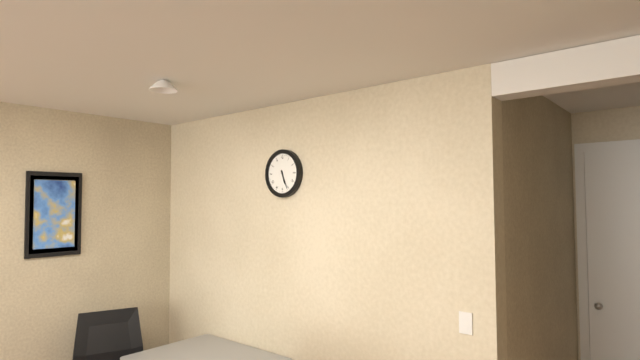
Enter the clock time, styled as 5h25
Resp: 5h26
